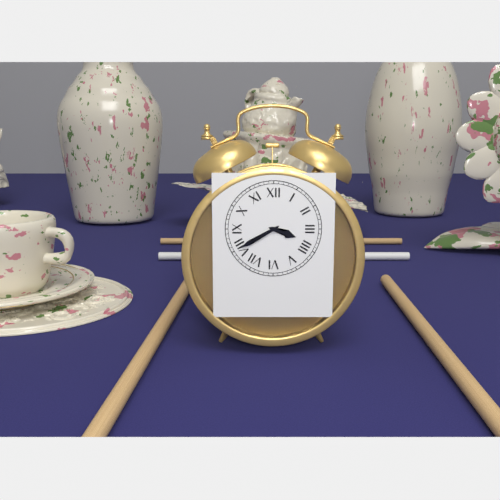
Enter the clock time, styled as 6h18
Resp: 3h40
